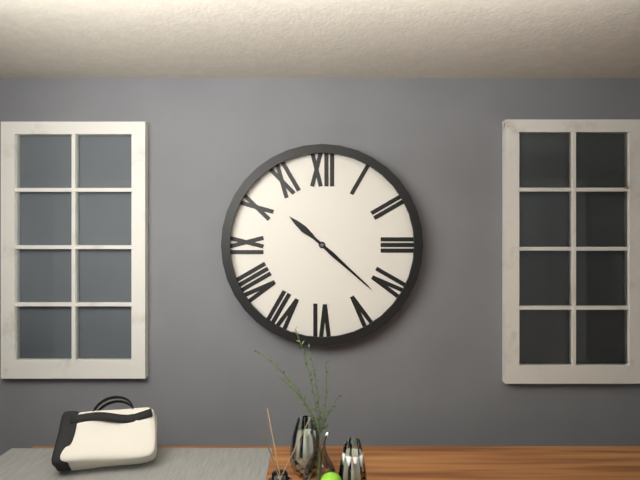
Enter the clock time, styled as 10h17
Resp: 10h22
